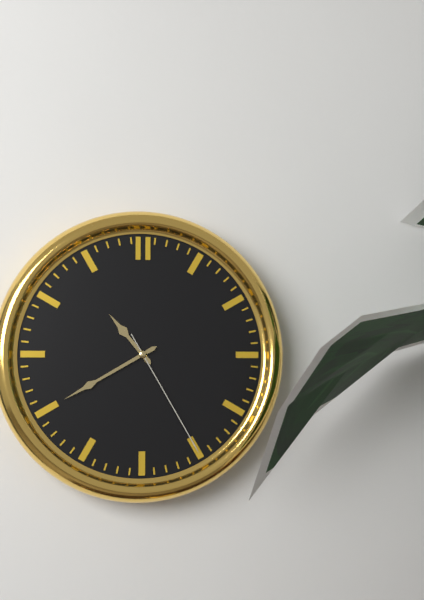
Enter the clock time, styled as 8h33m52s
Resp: 10h40m25s
